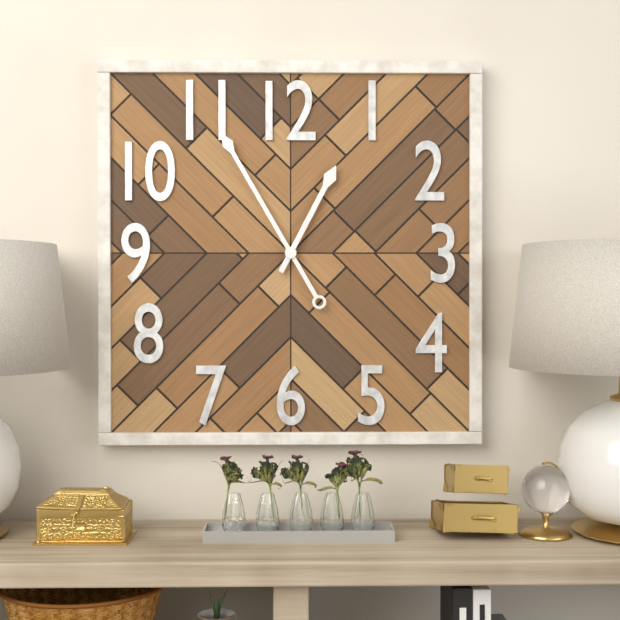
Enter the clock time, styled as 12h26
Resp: 12h55
